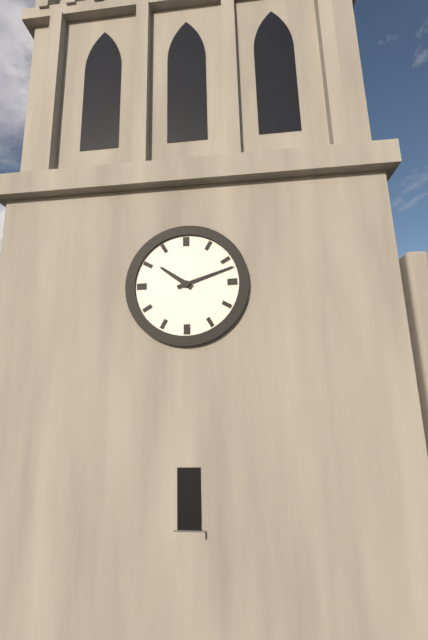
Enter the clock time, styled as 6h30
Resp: 10h12
